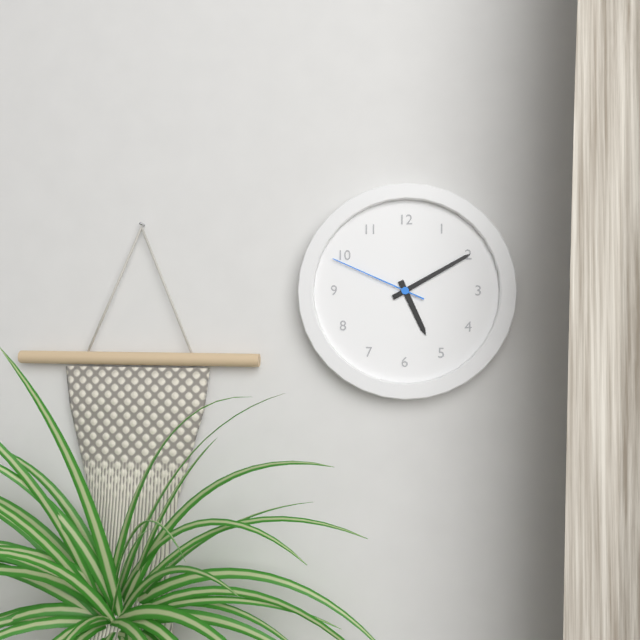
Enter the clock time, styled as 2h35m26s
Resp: 5h10m49s
